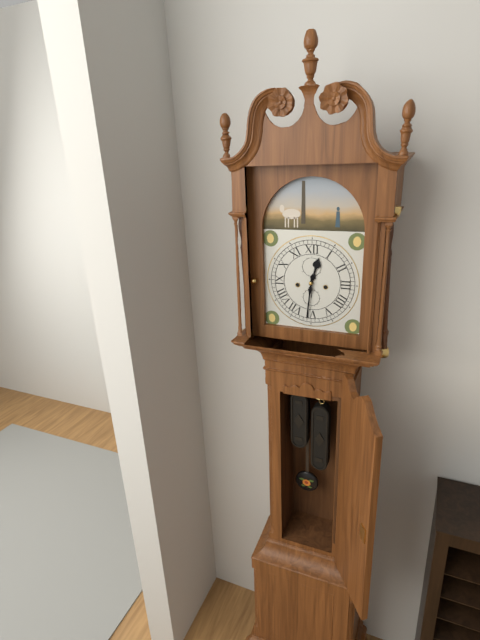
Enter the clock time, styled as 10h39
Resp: 12h31
